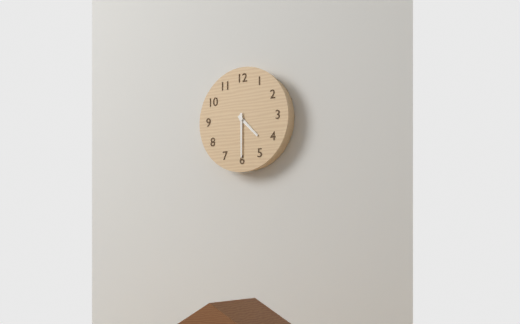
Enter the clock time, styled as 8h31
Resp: 4h30
